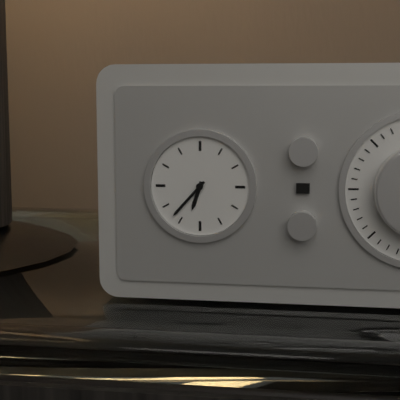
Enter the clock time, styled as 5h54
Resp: 6h37
